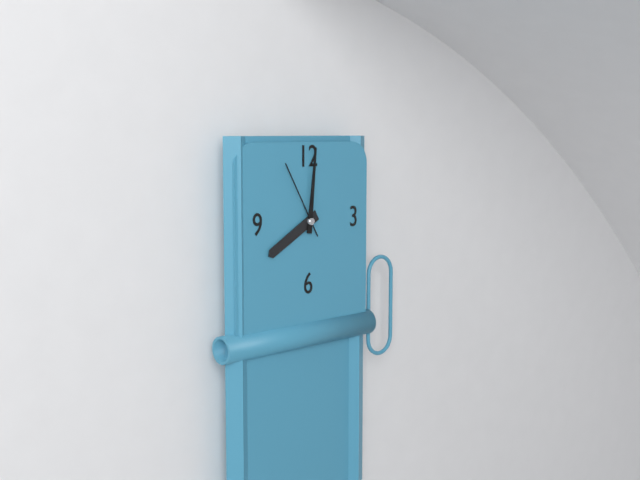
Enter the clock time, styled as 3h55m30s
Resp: 8h01m55s
